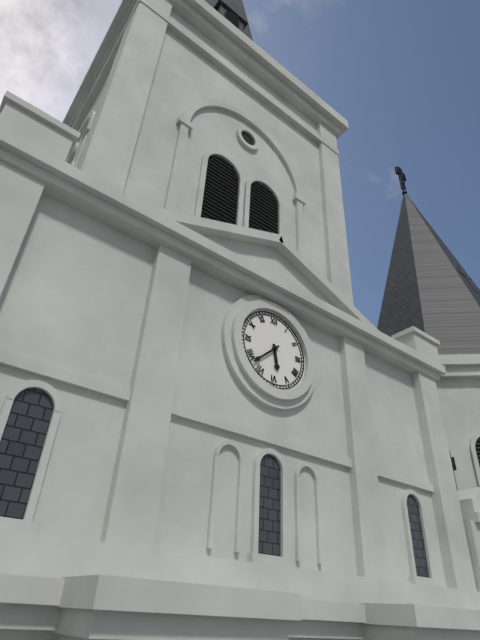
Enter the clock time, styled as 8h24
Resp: 5h38
